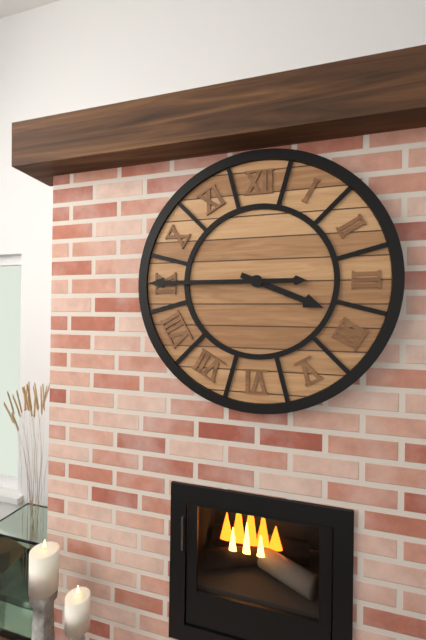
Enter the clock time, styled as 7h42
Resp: 3h45
